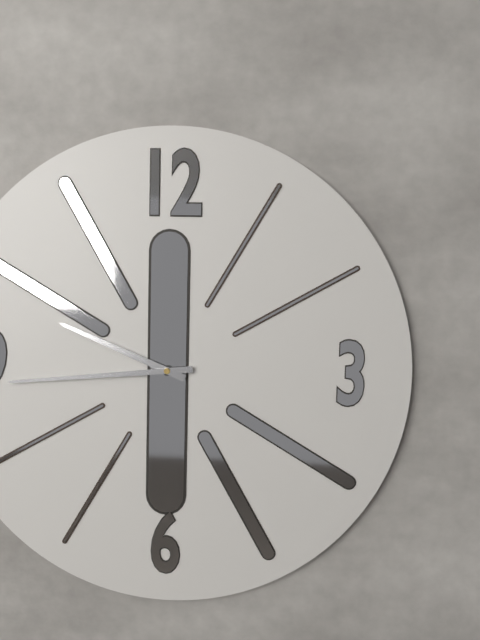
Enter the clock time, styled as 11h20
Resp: 9h44
